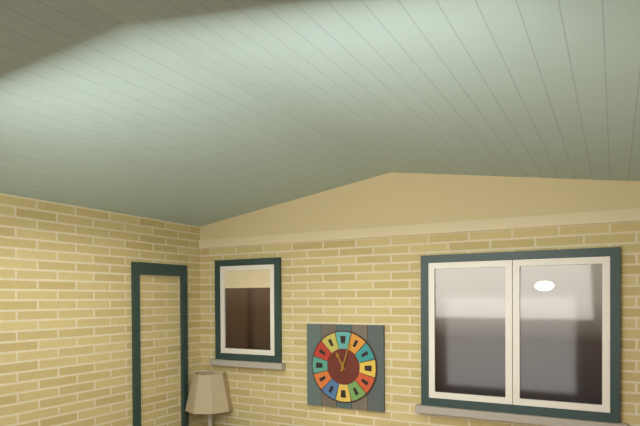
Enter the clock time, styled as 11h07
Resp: 11h03
